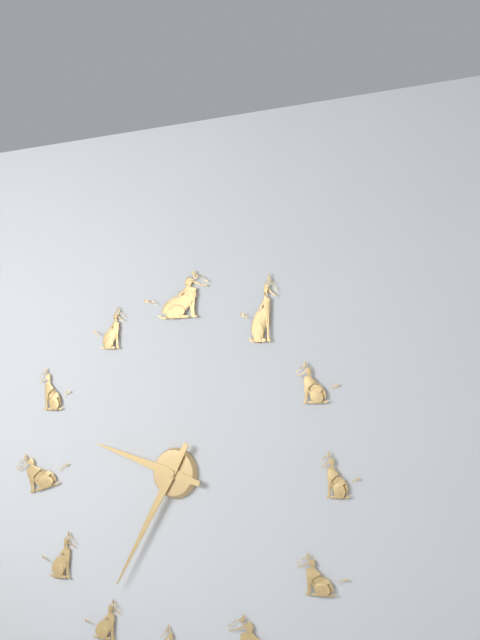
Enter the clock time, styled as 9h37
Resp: 9h35
